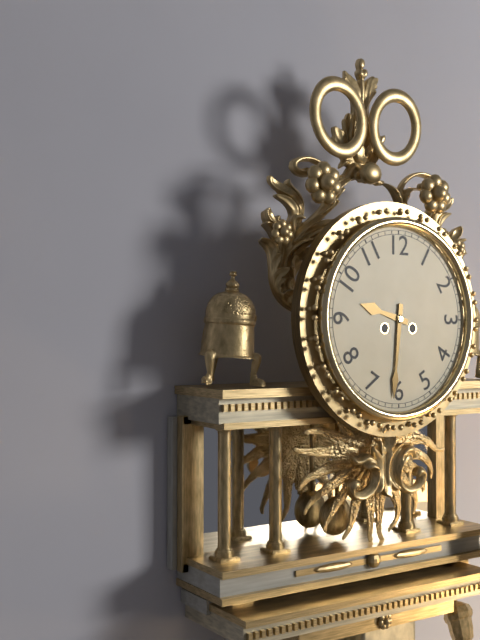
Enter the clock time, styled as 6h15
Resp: 9h31
